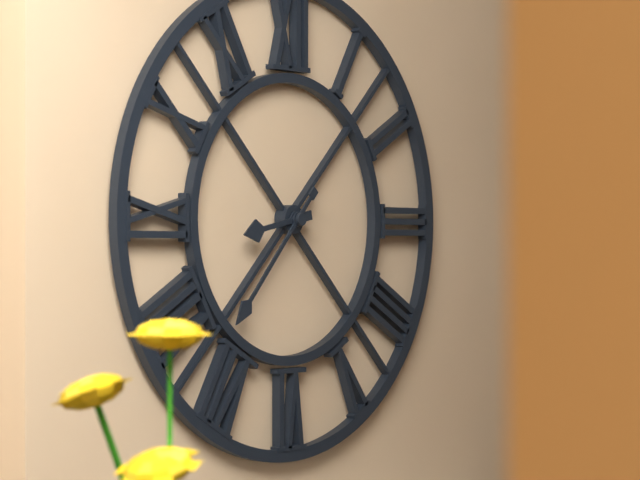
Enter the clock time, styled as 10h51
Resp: 8h37
